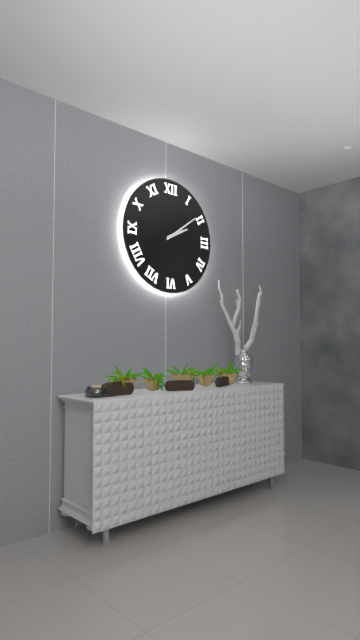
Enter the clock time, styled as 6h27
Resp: 2h09
